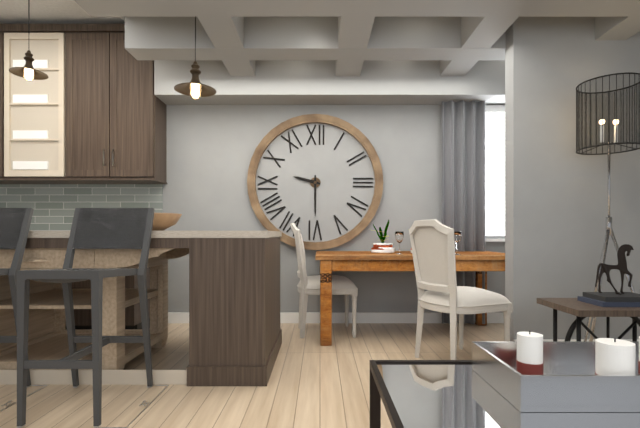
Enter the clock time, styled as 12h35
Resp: 9h30
